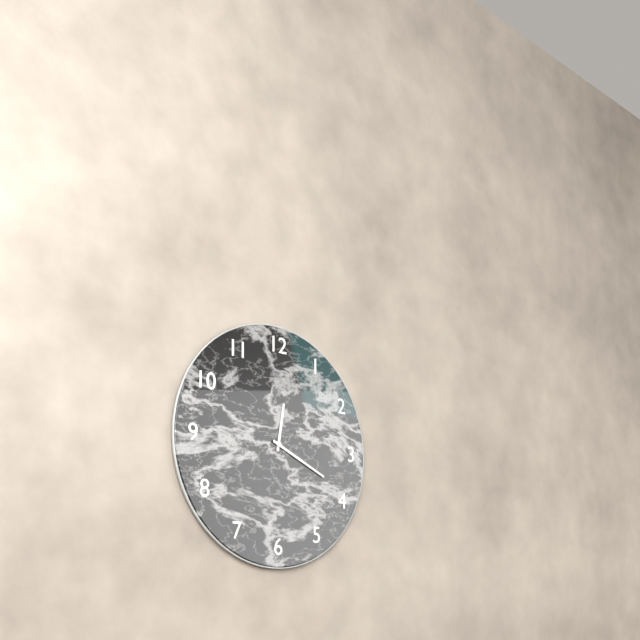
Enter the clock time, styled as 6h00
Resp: 12h19
